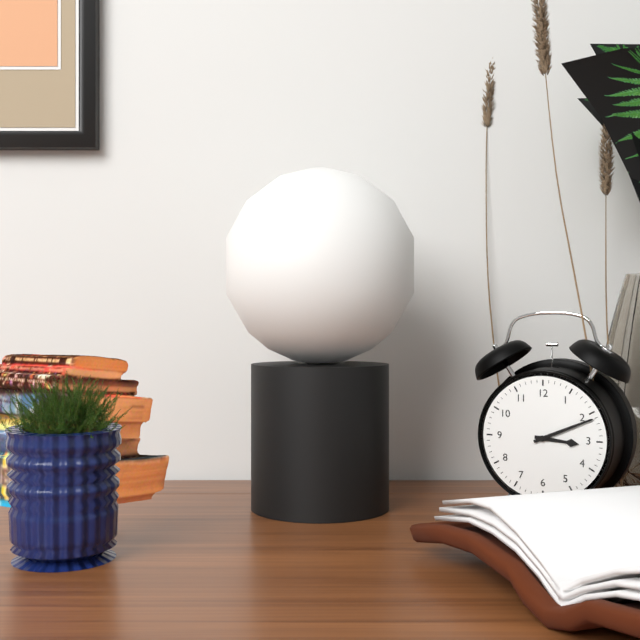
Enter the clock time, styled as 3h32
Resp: 3h11
